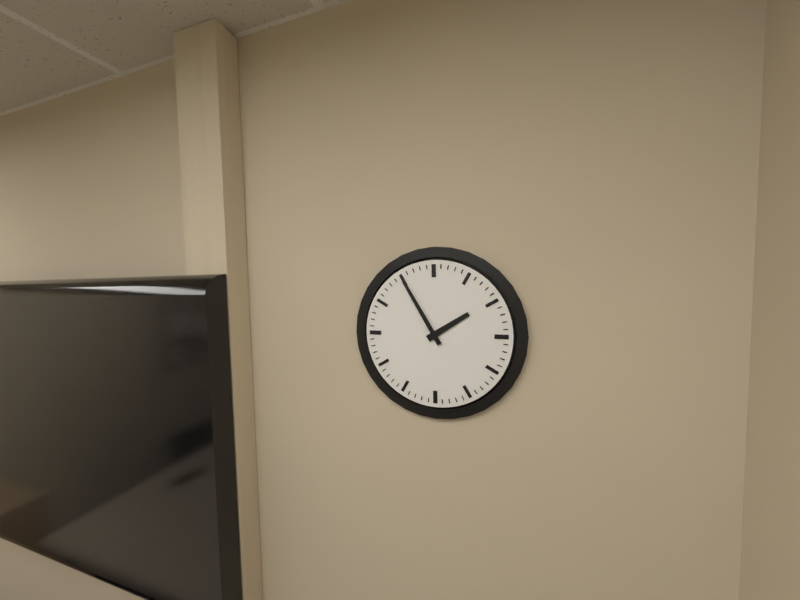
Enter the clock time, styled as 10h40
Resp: 1h55
